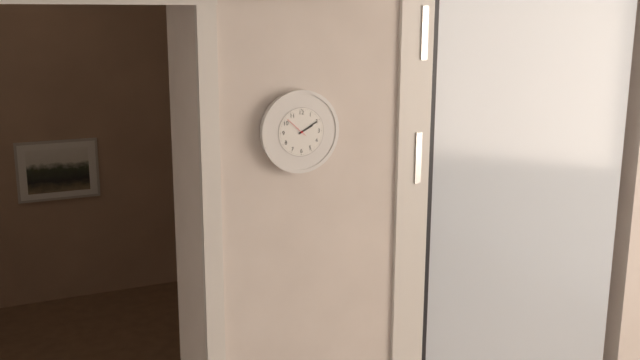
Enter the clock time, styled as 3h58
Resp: 2h10
